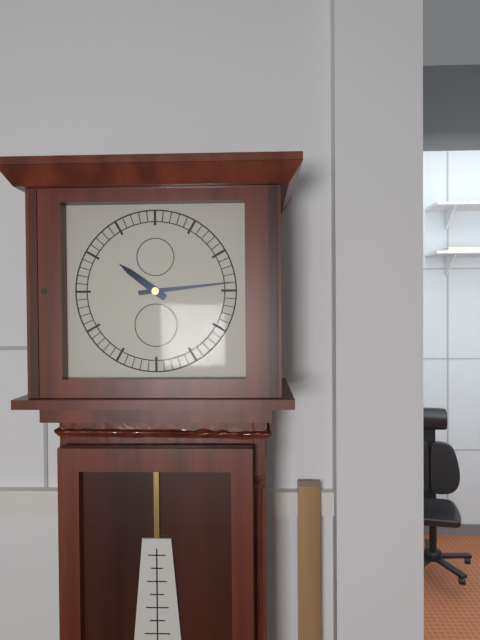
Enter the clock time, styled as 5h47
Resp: 10h14
